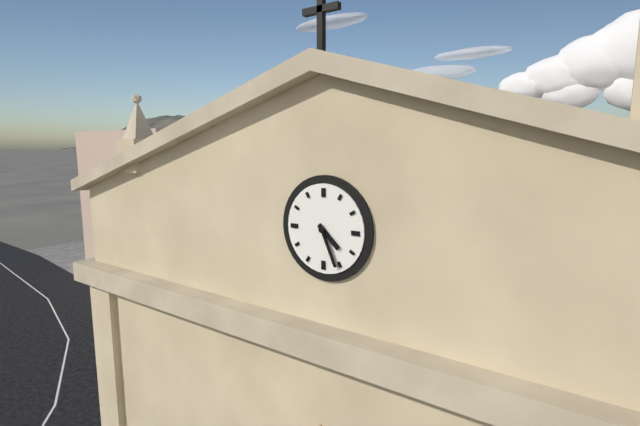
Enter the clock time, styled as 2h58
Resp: 4h26
